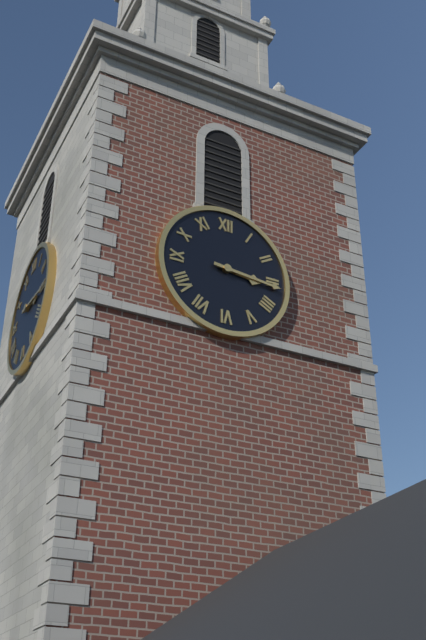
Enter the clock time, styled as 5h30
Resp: 3h16
